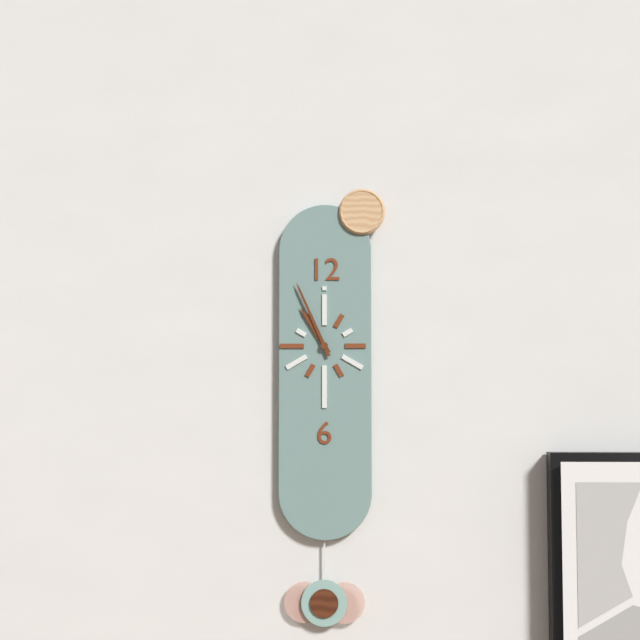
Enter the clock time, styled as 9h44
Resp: 10h56
